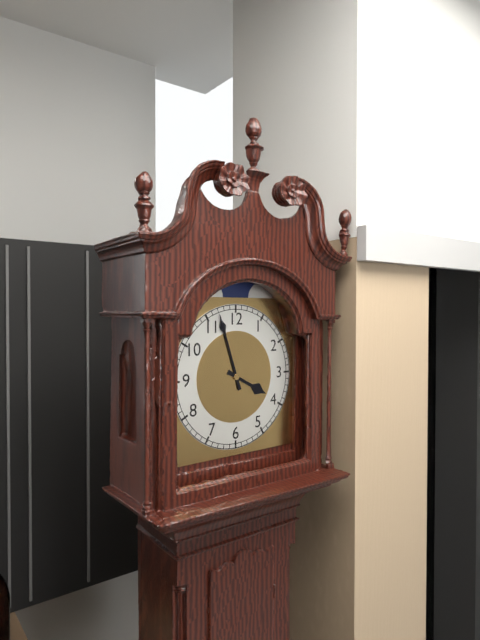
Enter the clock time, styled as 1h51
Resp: 3h57
